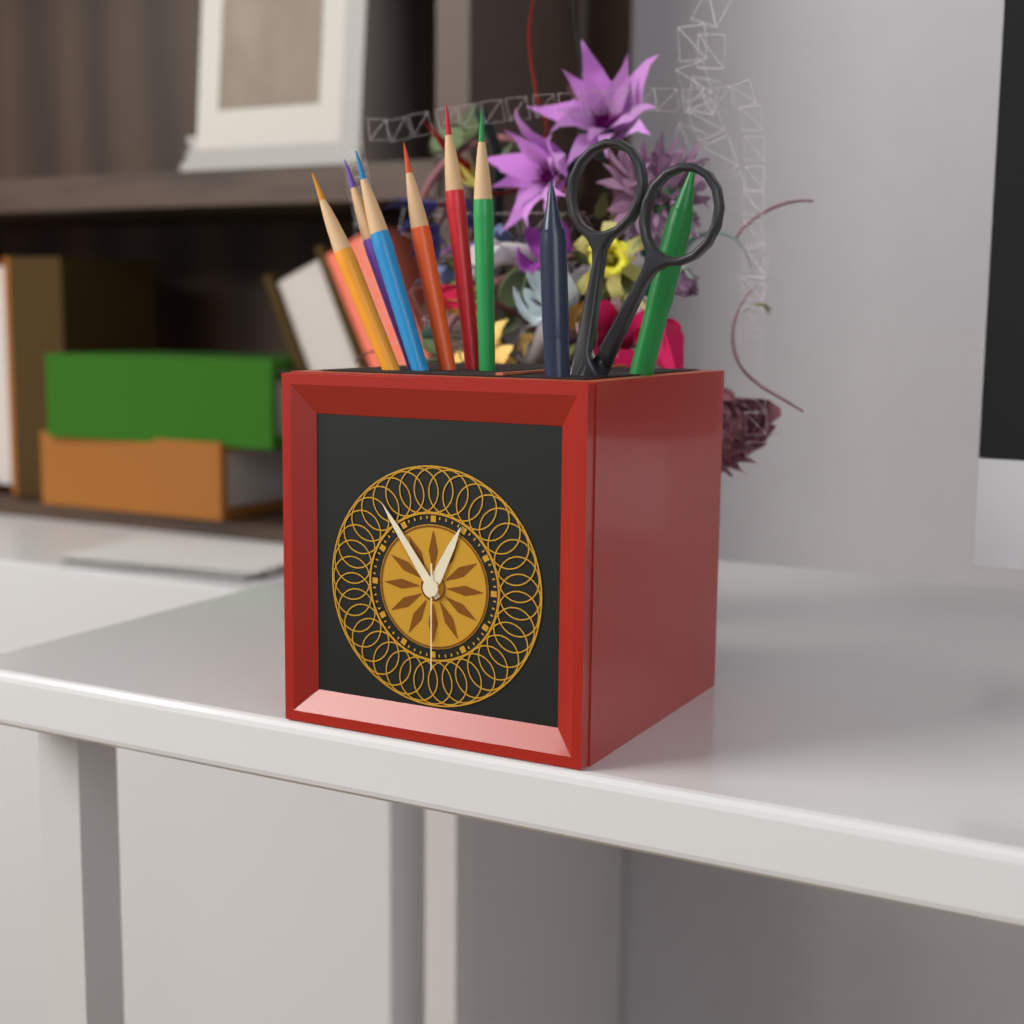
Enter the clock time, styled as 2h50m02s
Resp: 12h54m30s
